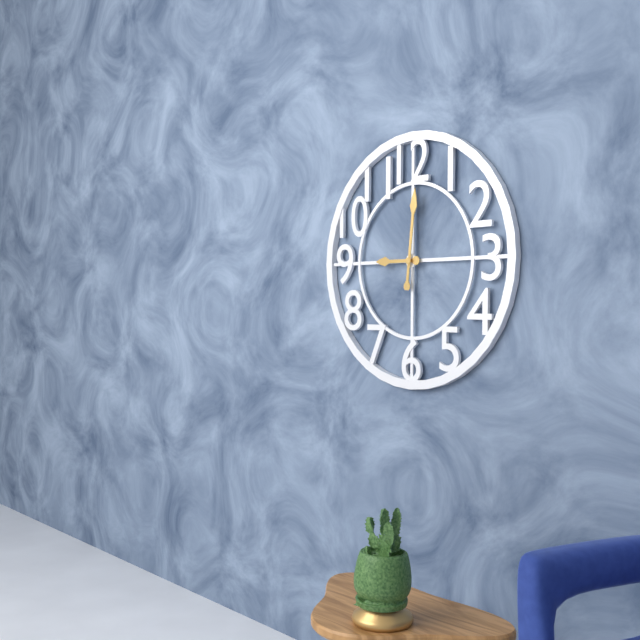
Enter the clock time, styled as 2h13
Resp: 9h01
